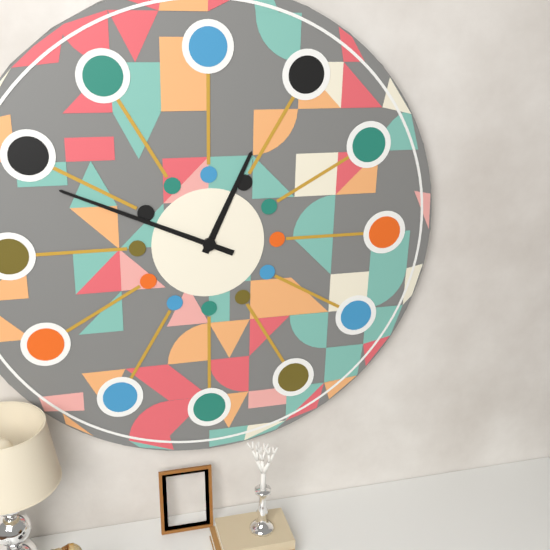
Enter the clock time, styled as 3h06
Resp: 12h49
